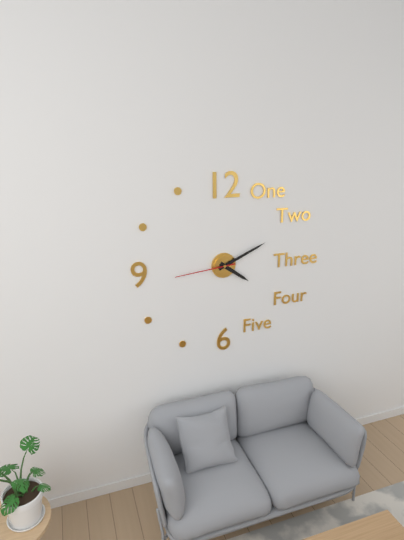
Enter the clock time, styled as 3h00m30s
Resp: 4h11m44s
